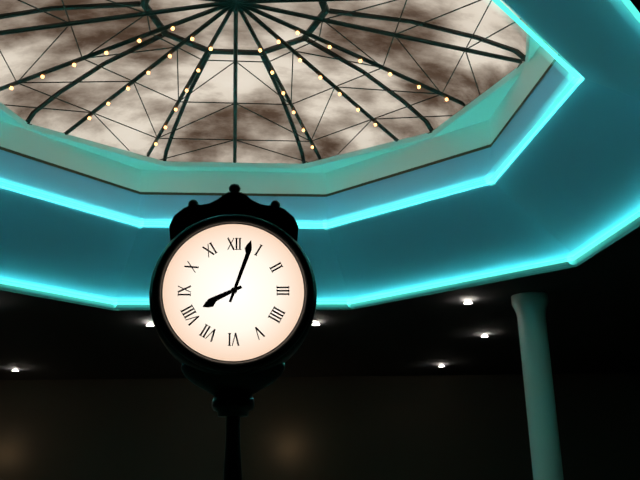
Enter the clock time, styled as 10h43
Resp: 8h03
